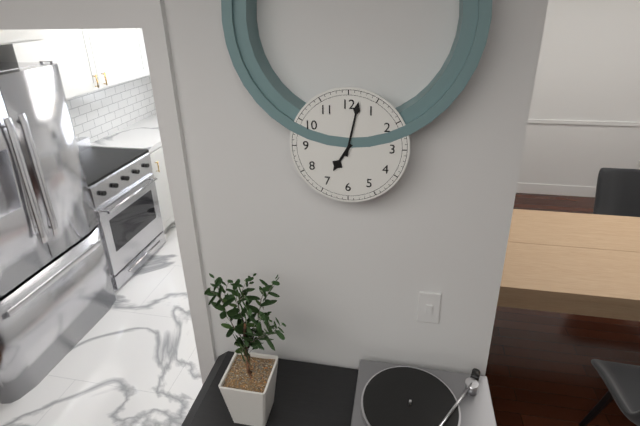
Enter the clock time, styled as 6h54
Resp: 7h02
